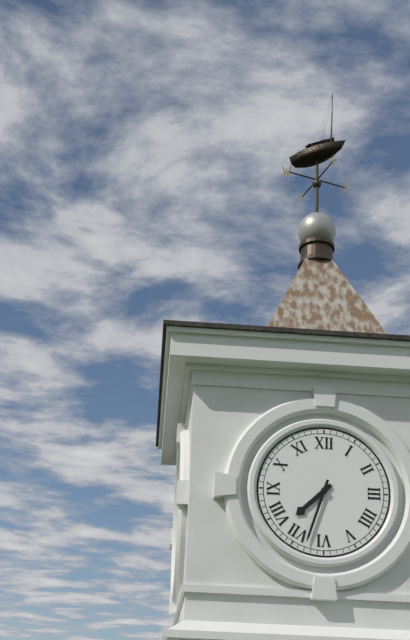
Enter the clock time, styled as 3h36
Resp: 7h33
